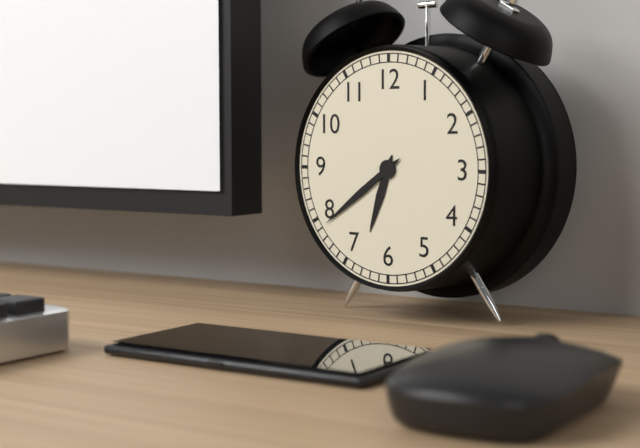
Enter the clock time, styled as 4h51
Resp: 6h39
